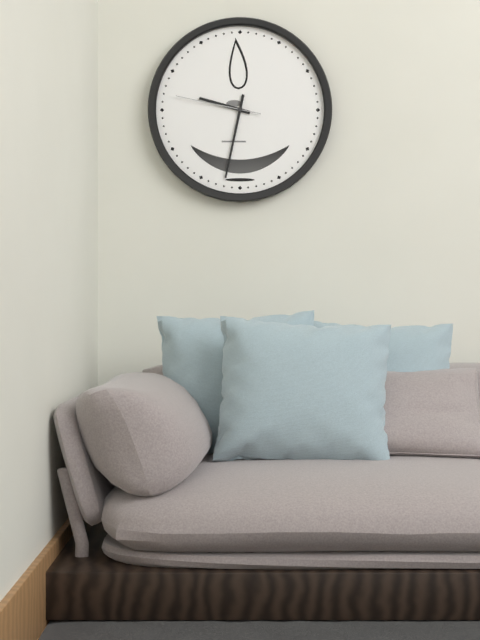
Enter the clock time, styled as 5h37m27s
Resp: 9h32m47s
